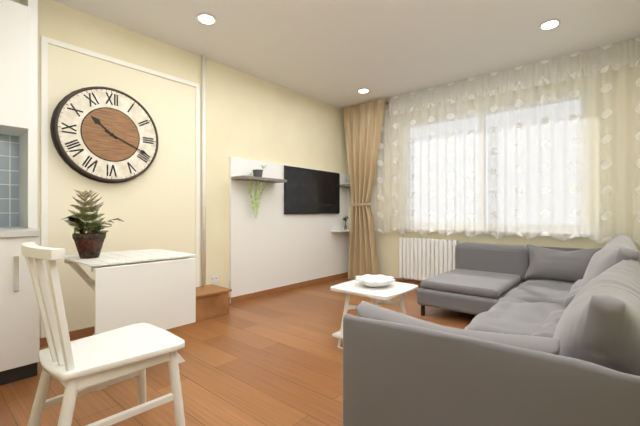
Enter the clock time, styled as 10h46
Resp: 10h19
